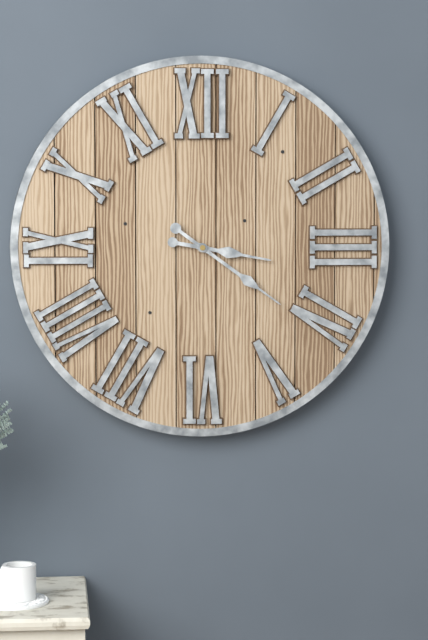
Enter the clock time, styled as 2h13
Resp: 3h21
